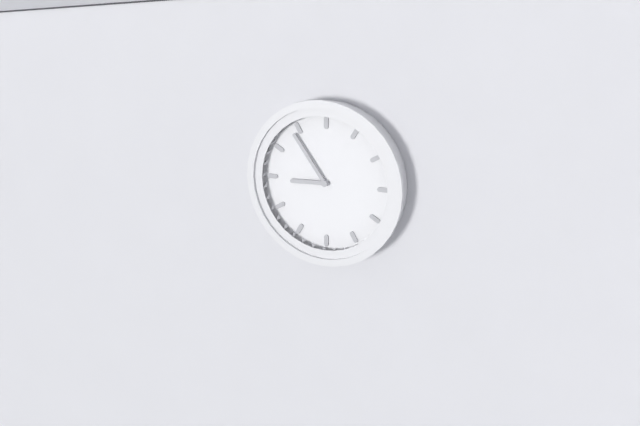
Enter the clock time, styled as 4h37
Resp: 8h54
